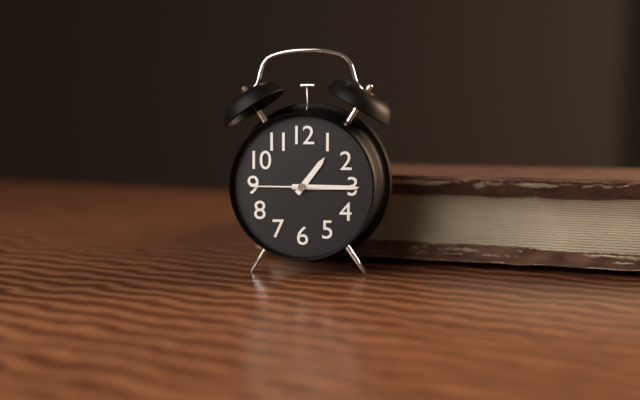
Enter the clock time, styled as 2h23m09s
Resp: 1h15m45s
